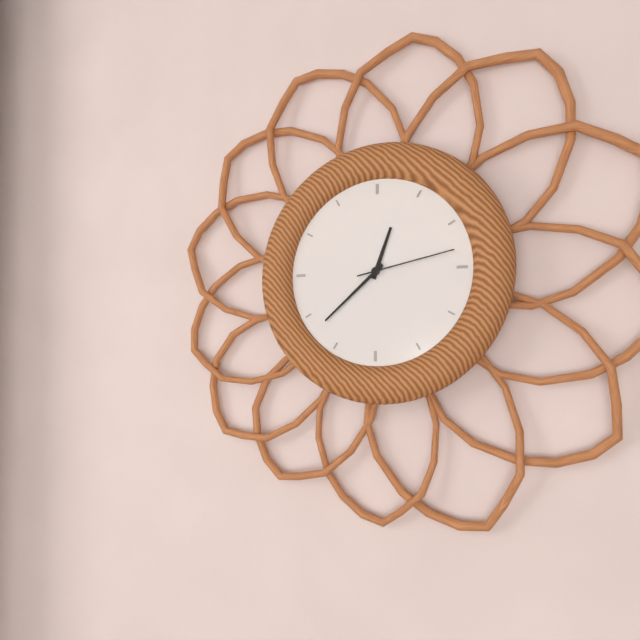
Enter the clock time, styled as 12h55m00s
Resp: 12h38m13s
